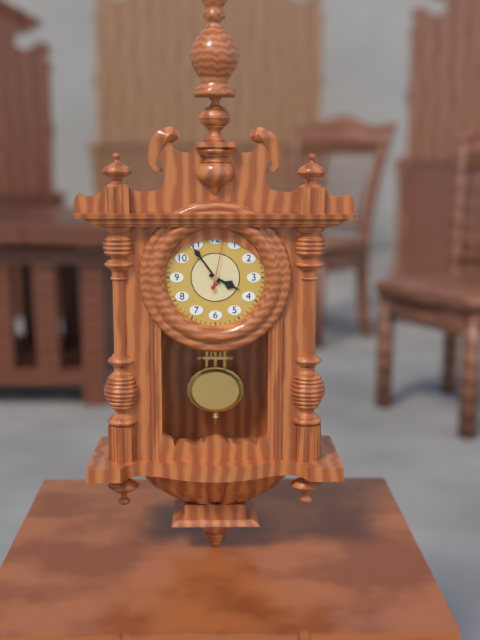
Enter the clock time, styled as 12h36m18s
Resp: 3h54m02s
